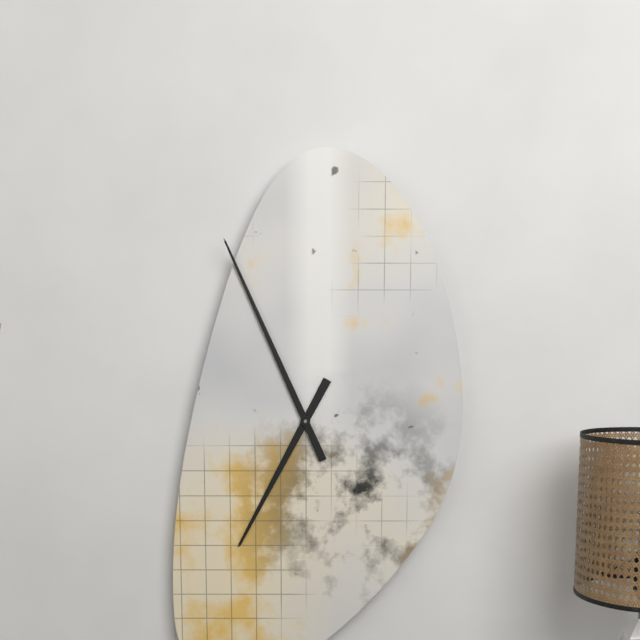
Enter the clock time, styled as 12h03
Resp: 6h56
